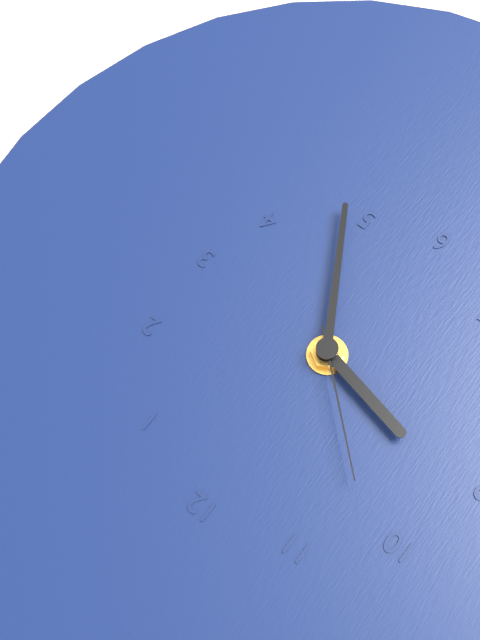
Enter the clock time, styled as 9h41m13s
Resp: 9h25m52s
